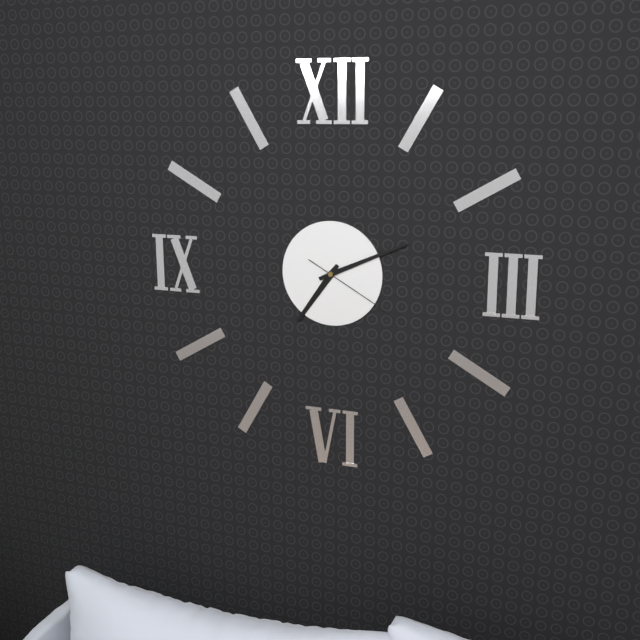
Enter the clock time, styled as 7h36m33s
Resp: 7h11m20s
